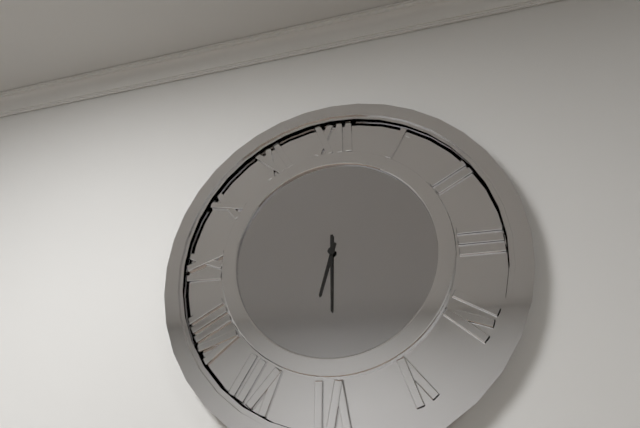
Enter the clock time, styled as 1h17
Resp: 6h30
